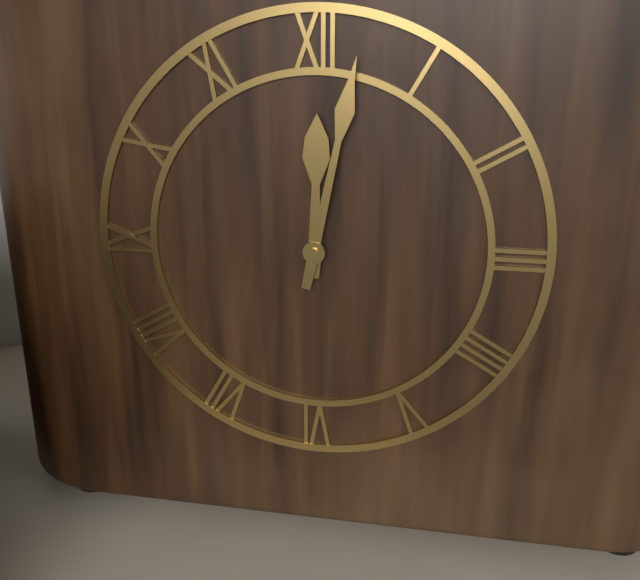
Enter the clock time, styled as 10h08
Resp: 12h02
